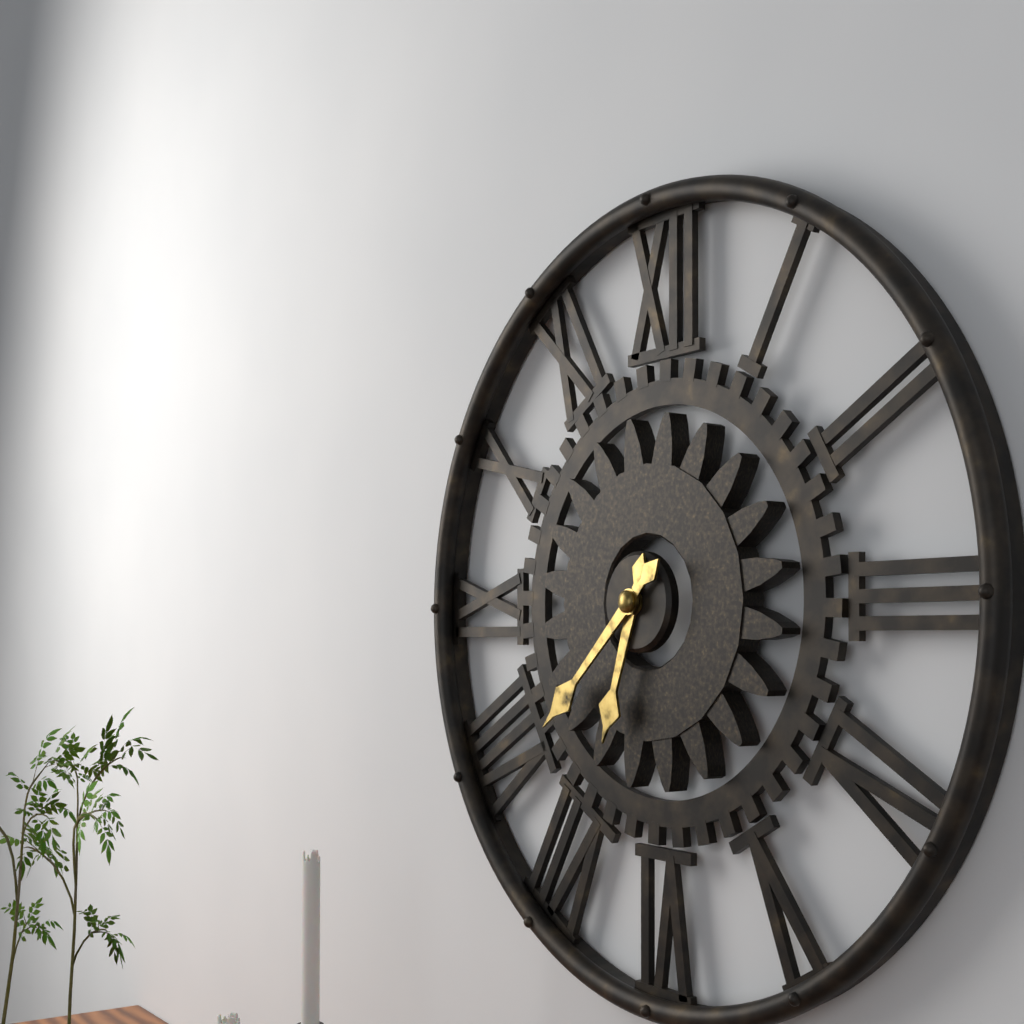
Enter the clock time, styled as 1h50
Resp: 6h38
